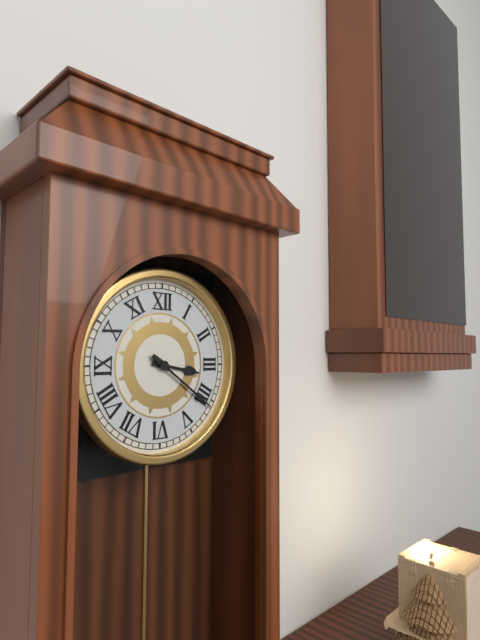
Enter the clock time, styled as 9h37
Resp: 3h21
